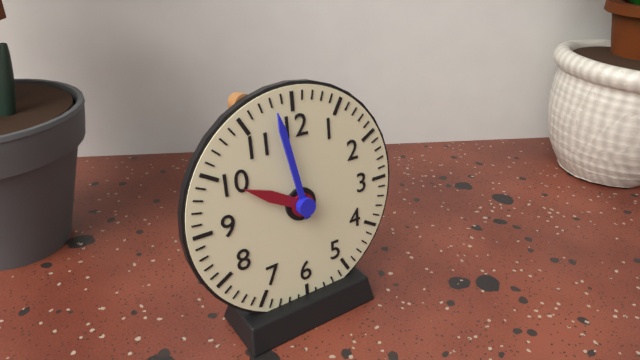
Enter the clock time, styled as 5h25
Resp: 9h58
